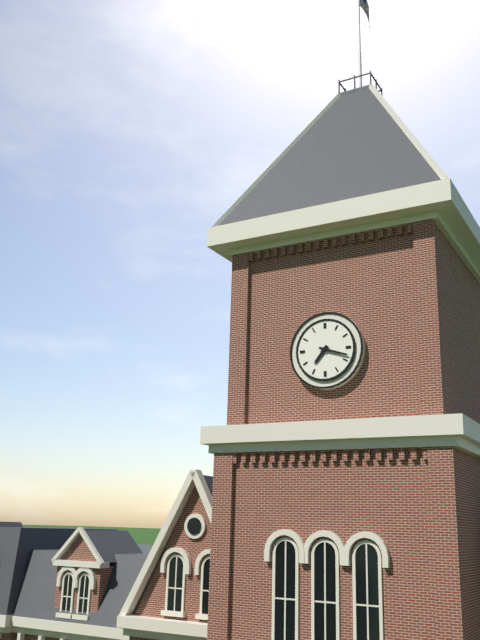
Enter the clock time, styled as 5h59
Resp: 7h18
